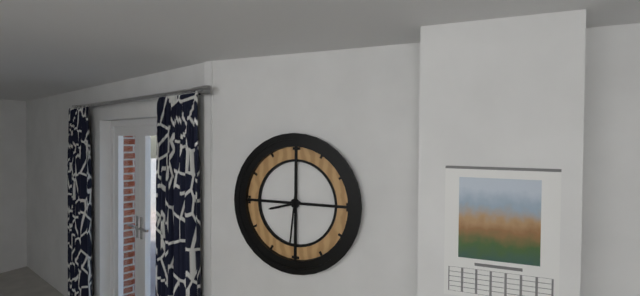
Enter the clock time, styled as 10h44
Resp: 8h31
